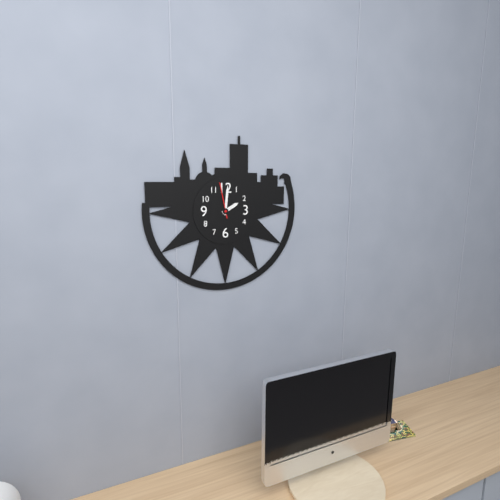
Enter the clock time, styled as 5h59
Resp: 2h01
